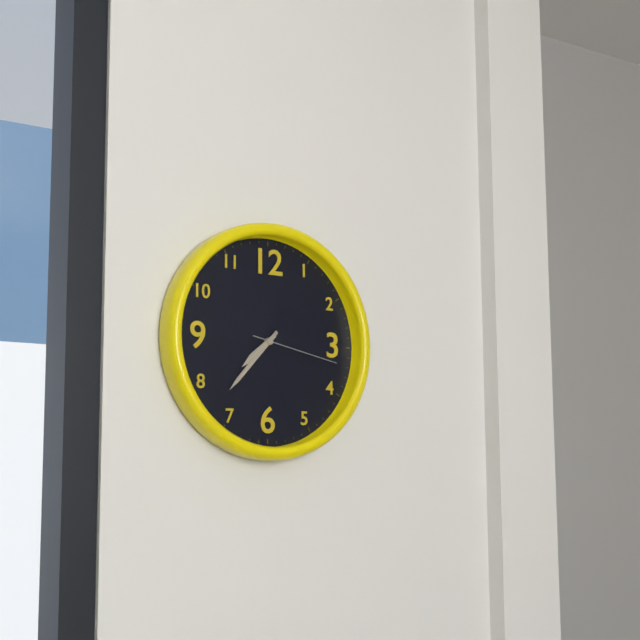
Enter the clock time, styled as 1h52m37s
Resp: 7h37m17s
